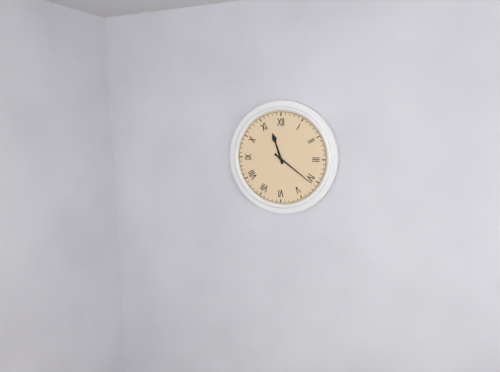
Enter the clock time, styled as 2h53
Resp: 11h21
